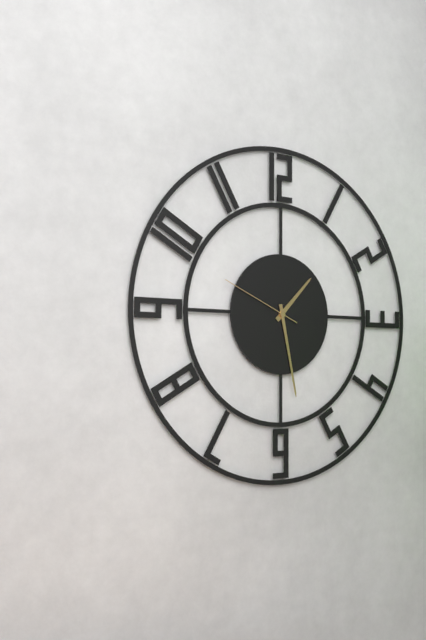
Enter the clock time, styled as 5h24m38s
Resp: 1h28m49s
